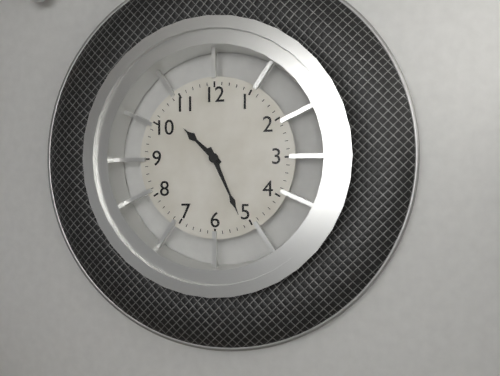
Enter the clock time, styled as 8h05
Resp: 10h26
